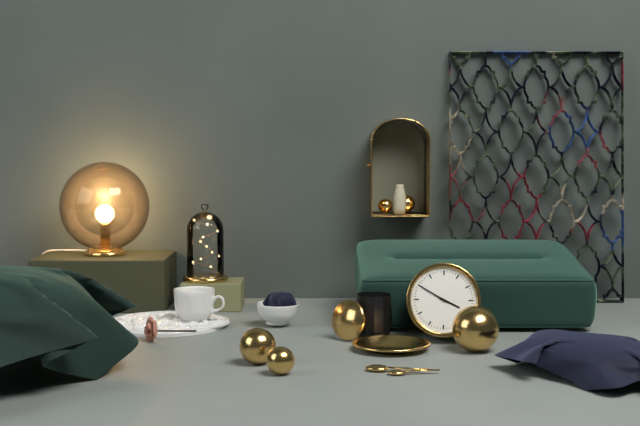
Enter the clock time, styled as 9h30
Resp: 3h50
